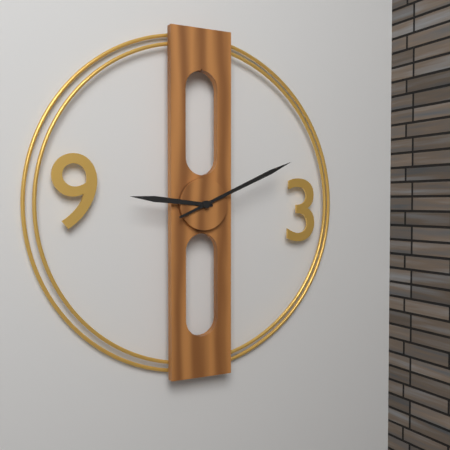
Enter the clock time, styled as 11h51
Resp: 9h11
